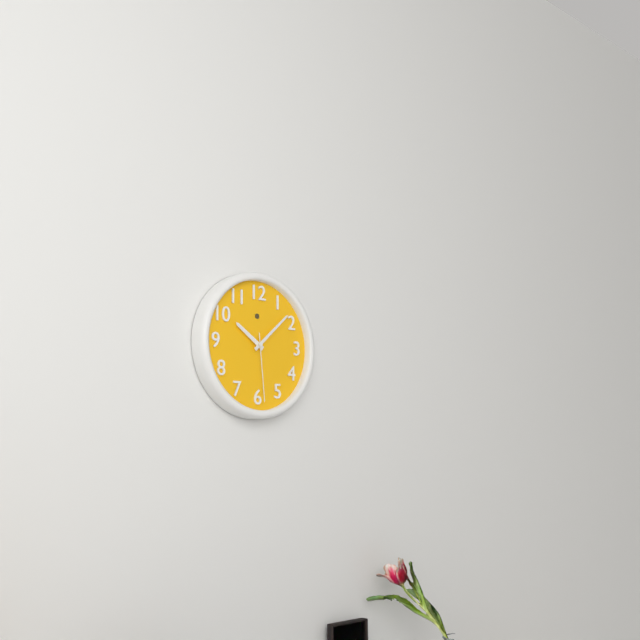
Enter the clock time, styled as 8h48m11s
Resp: 10h08m29s
